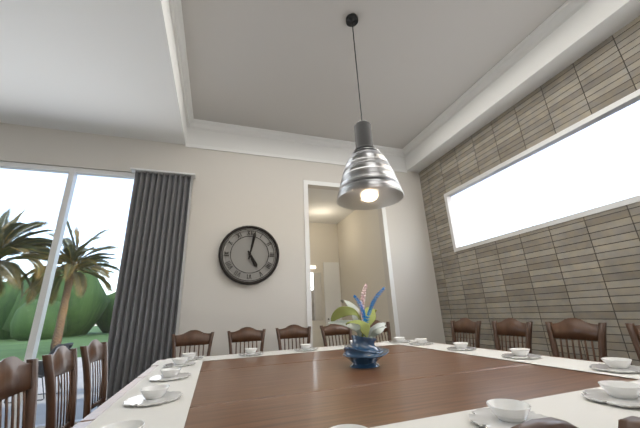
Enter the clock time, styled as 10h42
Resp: 5h02
